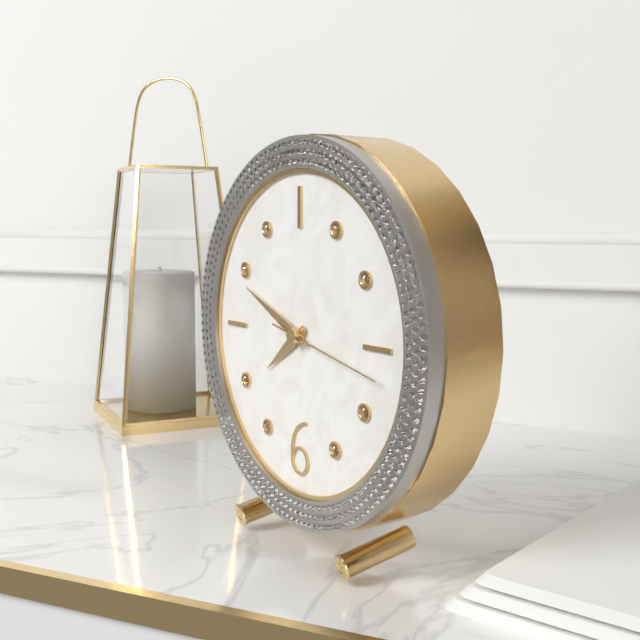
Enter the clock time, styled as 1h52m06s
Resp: 7h49m17s
